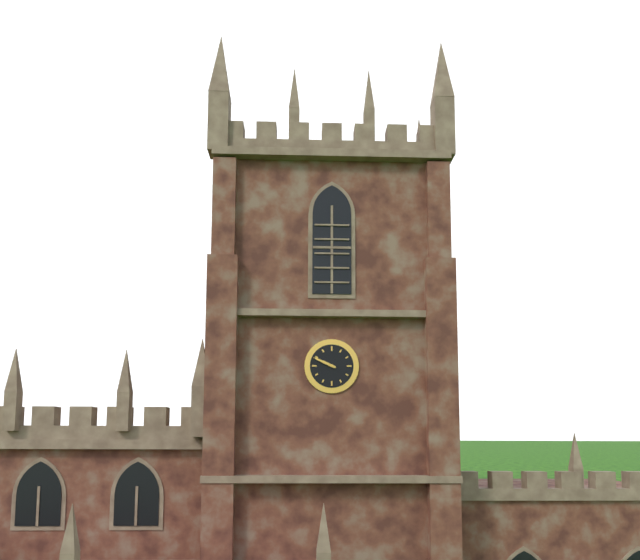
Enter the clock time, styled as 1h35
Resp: 9h49
